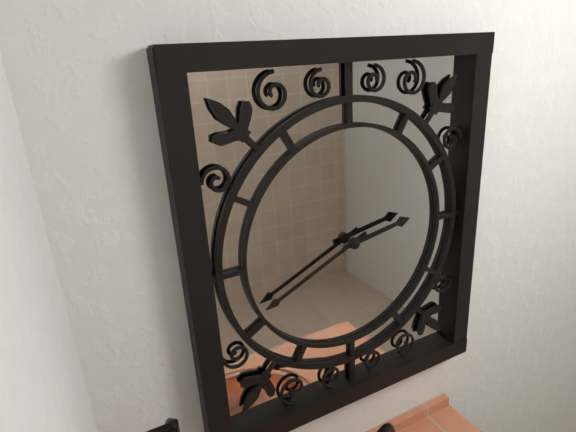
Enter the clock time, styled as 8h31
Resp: 2h41
